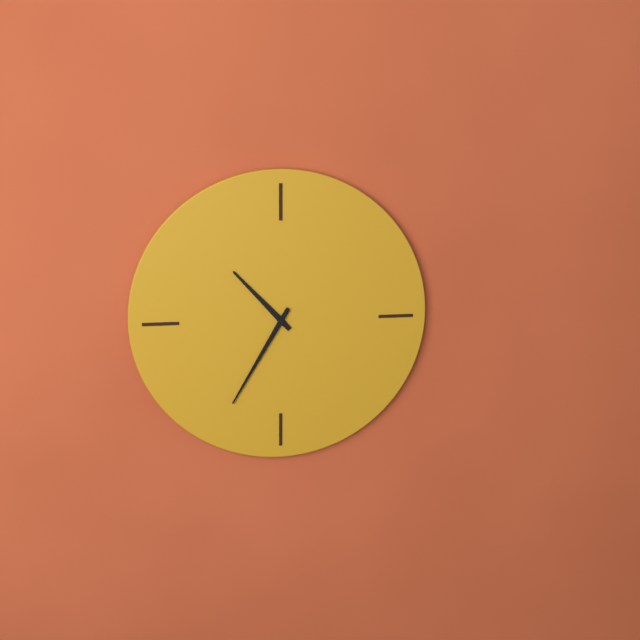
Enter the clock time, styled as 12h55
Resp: 10h35
